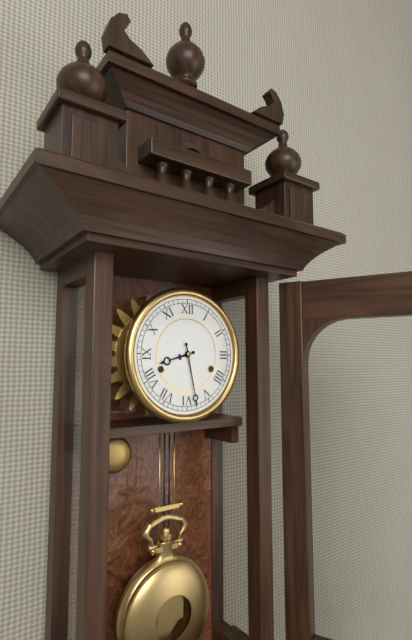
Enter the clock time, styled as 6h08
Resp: 8h28
